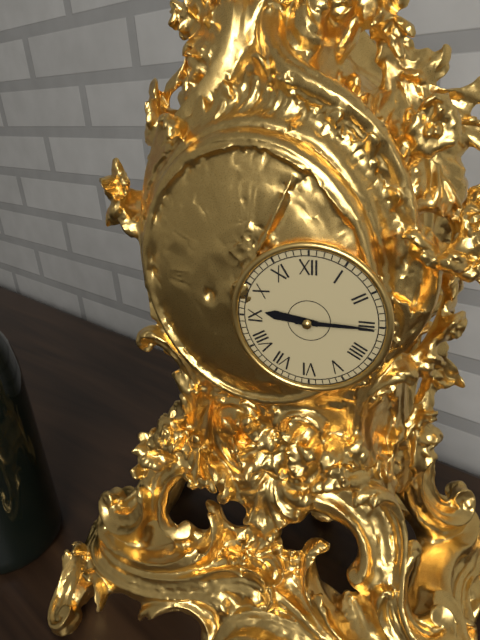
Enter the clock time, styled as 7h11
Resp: 9h15
